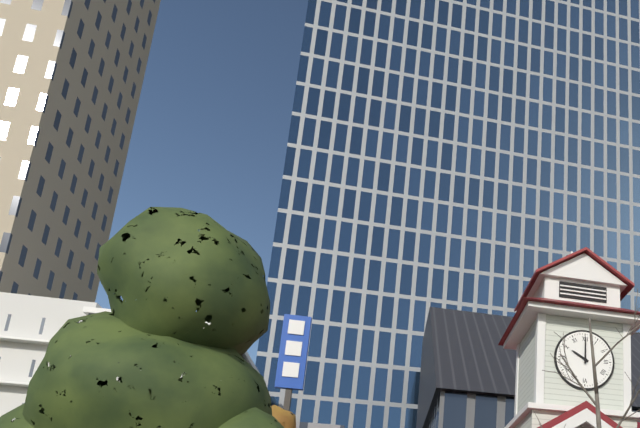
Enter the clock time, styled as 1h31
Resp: 10h00
